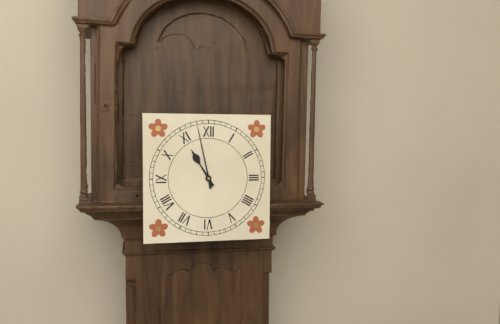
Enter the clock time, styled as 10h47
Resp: 10h58
